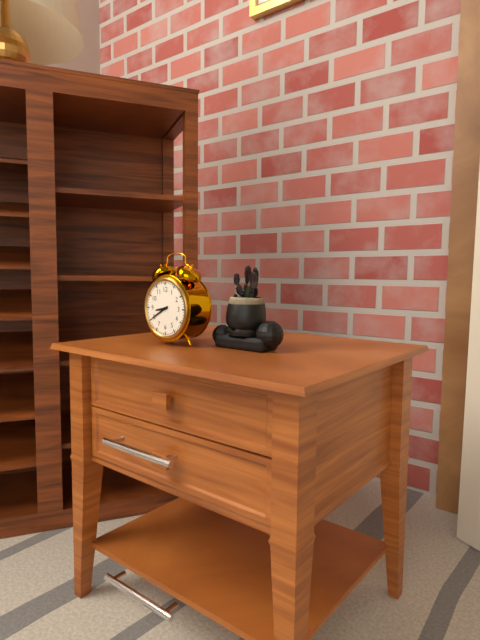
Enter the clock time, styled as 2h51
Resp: 8h40
